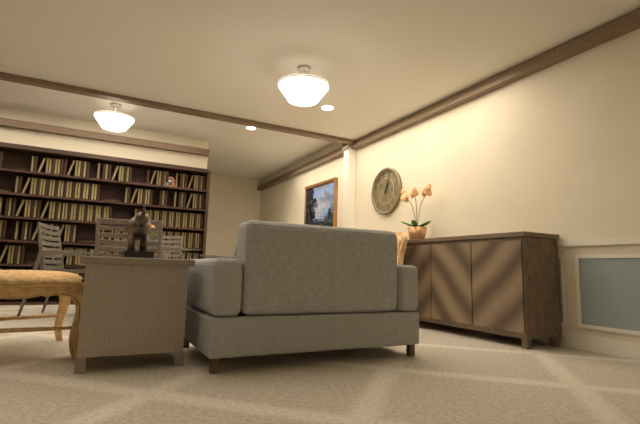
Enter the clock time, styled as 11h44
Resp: 1h04
